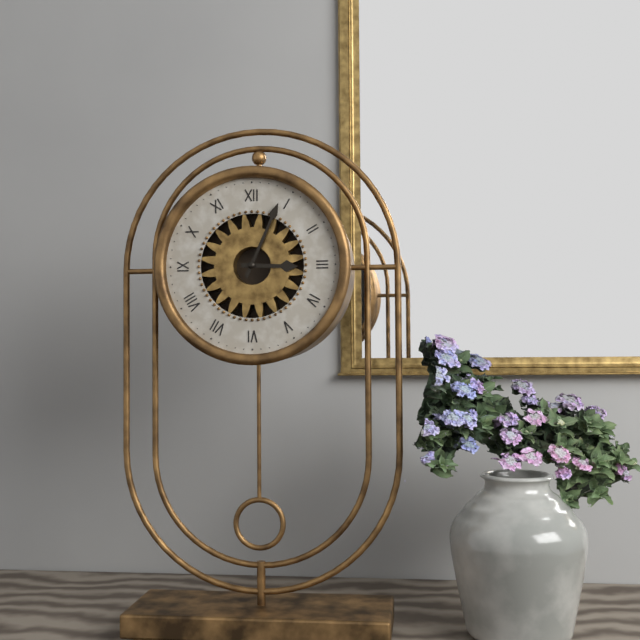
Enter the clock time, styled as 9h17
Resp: 3h04
